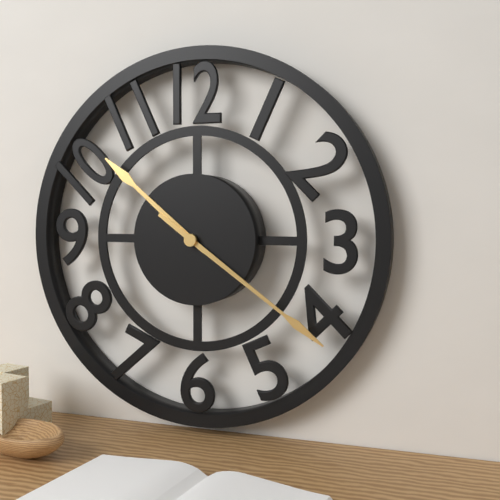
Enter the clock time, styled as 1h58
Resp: 10h21
